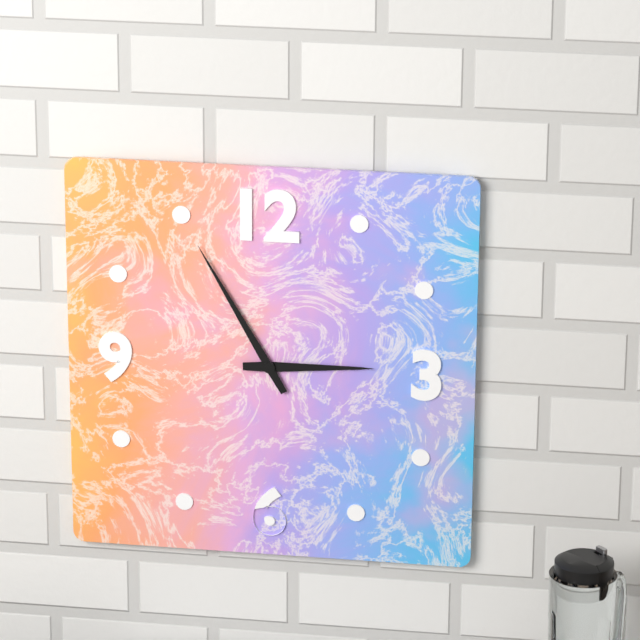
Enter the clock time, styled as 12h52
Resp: 2h55
